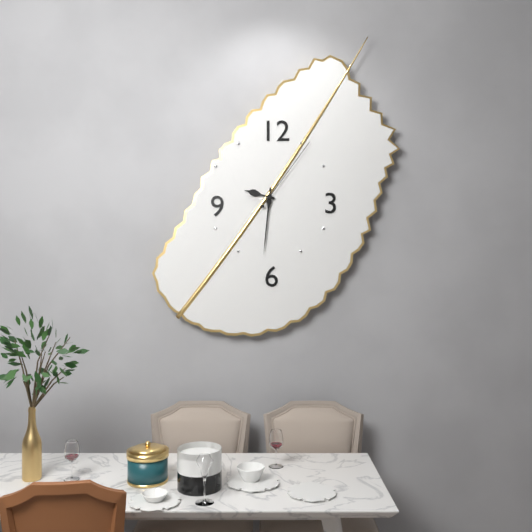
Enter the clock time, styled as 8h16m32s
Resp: 9h31m06s
